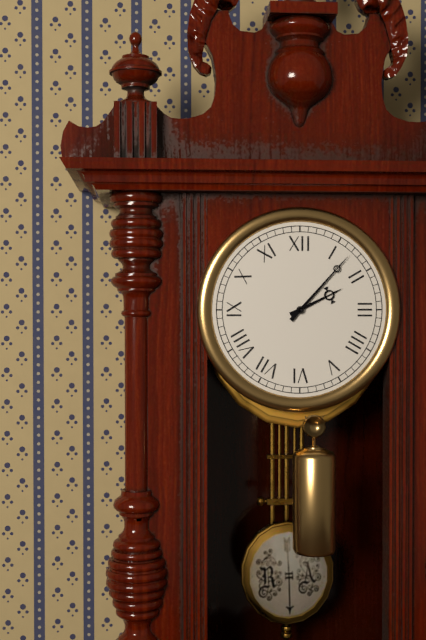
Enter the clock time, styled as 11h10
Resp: 2h07
